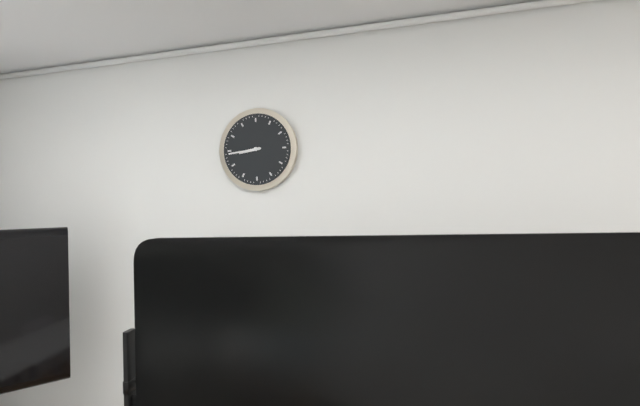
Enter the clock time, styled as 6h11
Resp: 8h44
